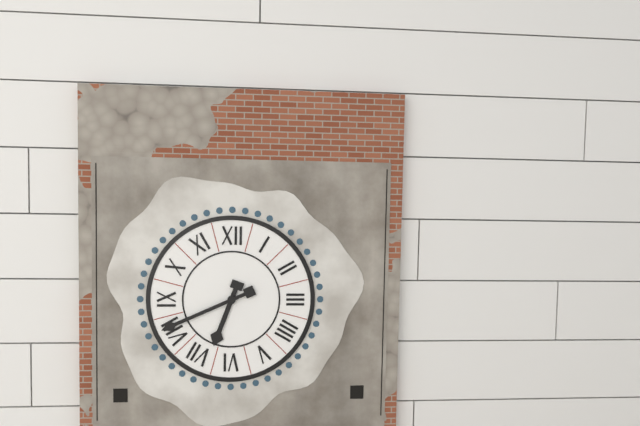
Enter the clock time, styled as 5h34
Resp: 6h41
